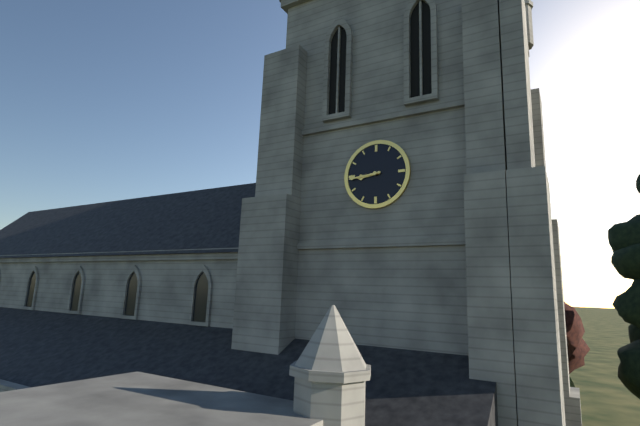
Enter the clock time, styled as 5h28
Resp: 8h44
